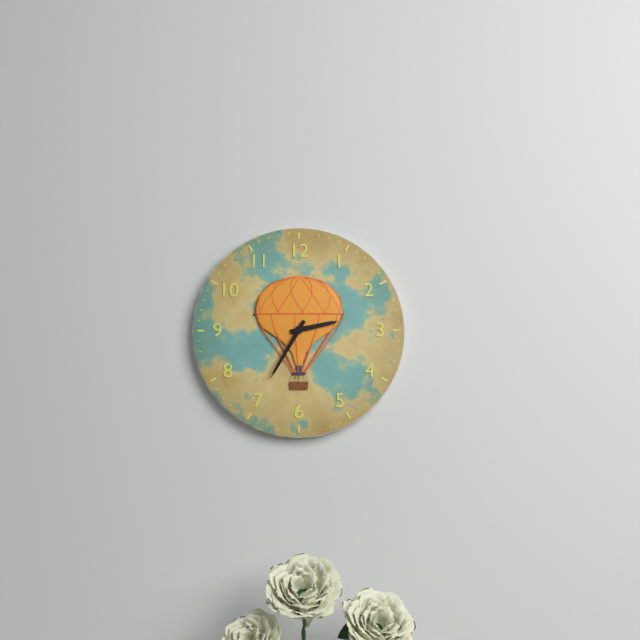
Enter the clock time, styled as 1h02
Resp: 2h35
